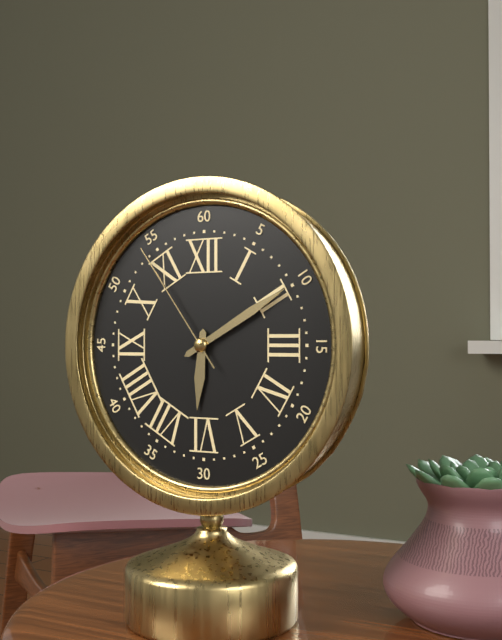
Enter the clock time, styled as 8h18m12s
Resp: 6h10m54s
